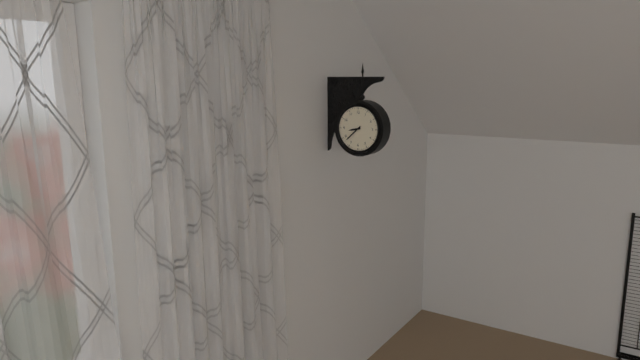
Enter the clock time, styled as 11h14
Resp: 8h38
